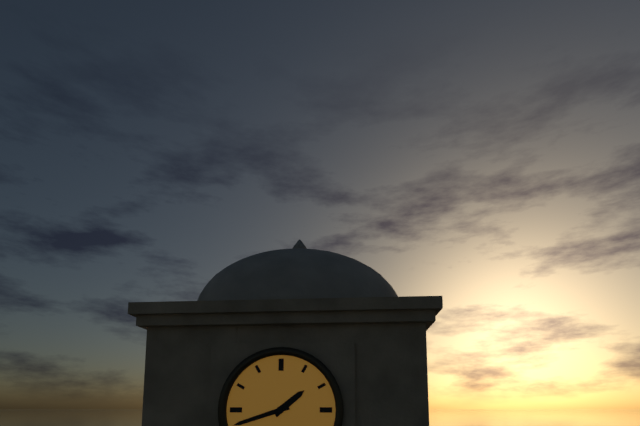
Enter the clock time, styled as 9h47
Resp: 1h42
